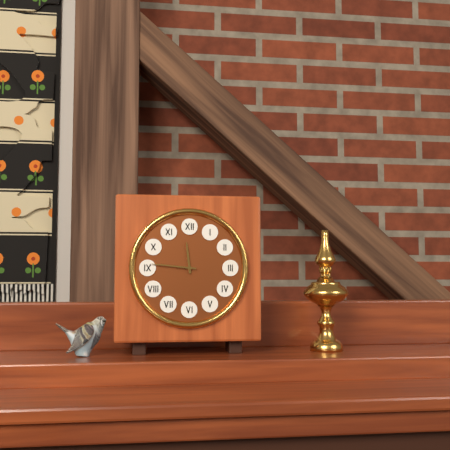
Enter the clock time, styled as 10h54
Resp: 11h46
